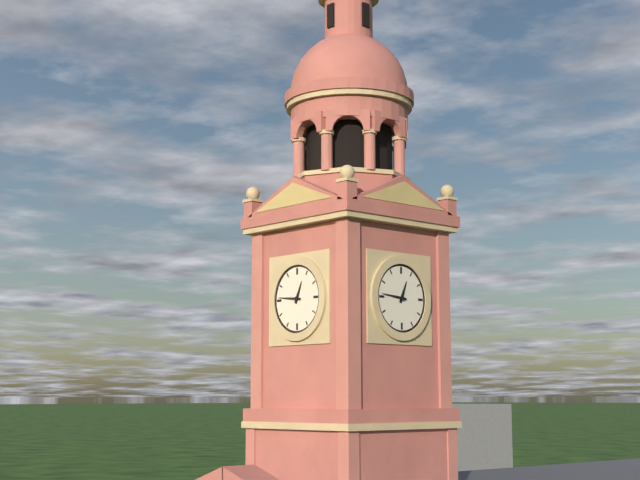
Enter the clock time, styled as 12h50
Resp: 12h46
